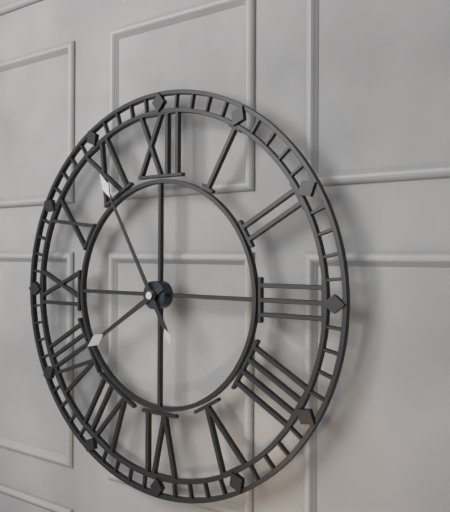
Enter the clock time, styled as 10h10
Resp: 7h55
